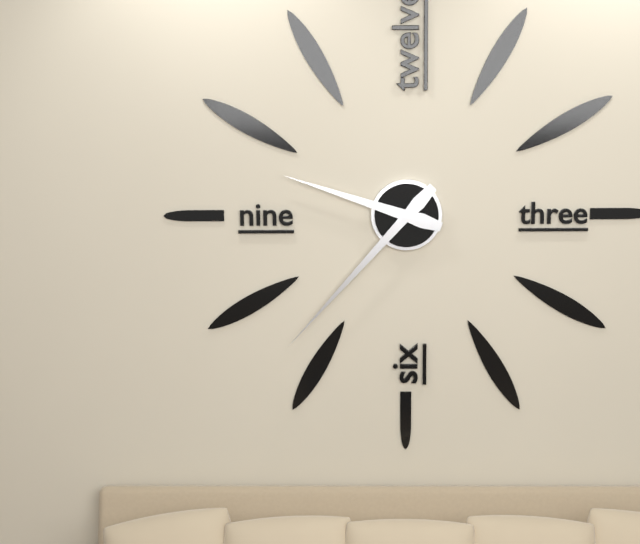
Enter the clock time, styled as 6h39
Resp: 9h37
